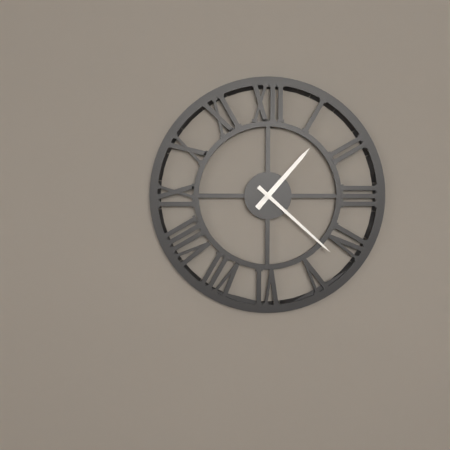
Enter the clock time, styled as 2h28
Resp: 1h22
